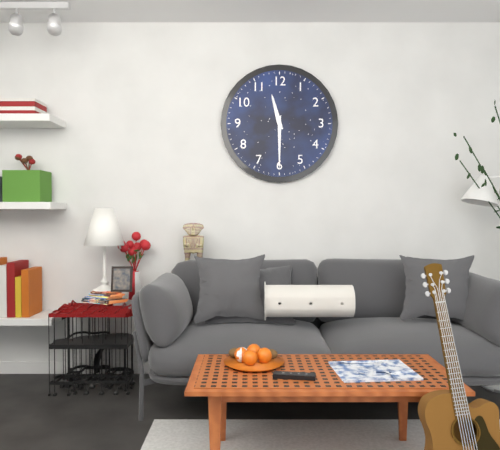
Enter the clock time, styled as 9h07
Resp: 11h30
